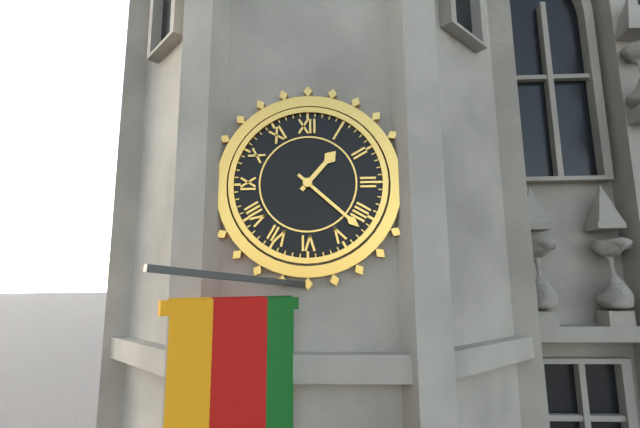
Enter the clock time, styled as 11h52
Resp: 1h22
